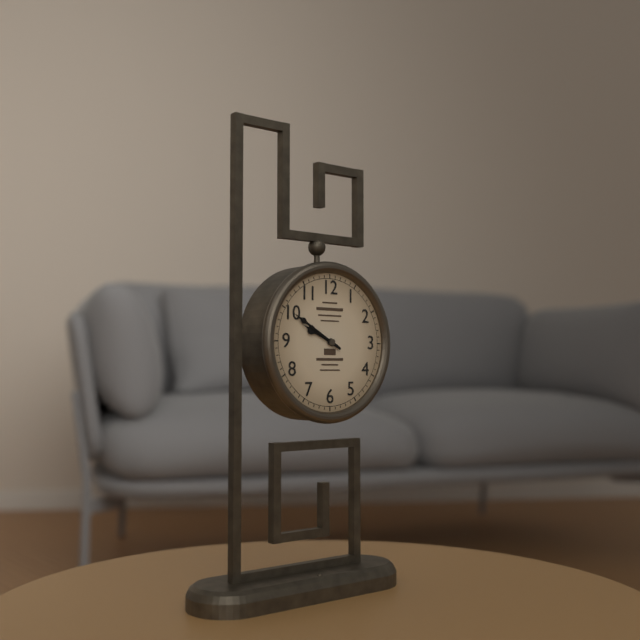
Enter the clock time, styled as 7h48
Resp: 9h50
